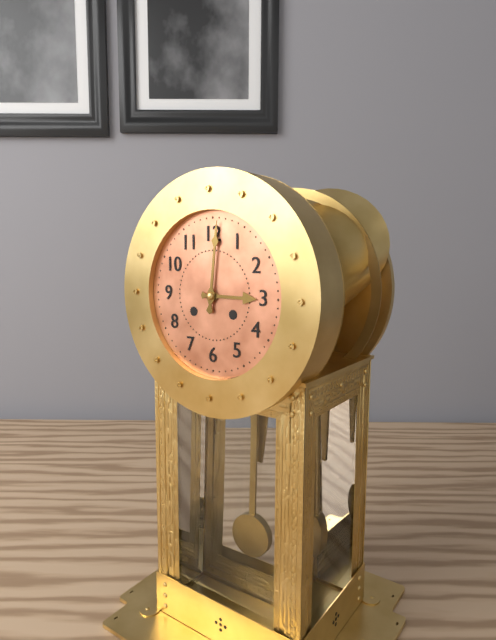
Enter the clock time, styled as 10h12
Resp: 3h01
